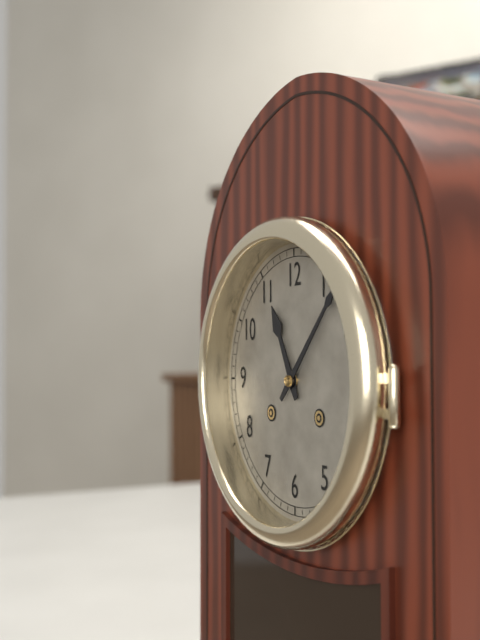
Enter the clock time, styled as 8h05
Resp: 11h07
